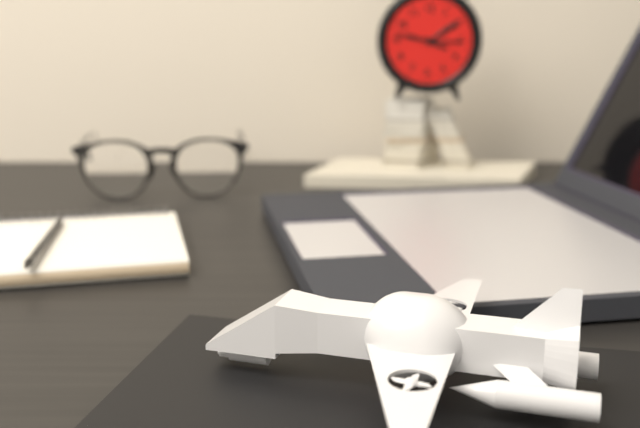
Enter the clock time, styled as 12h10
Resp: 3h47
